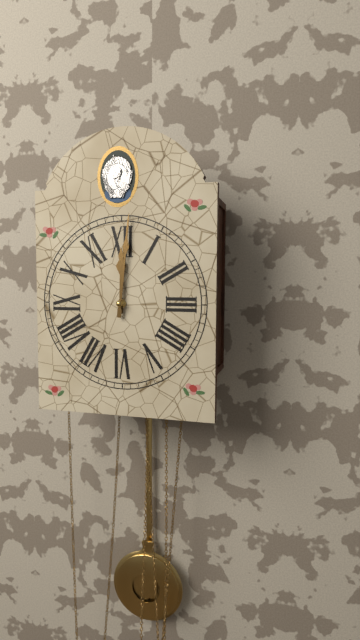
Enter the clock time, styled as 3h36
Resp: 12h01
